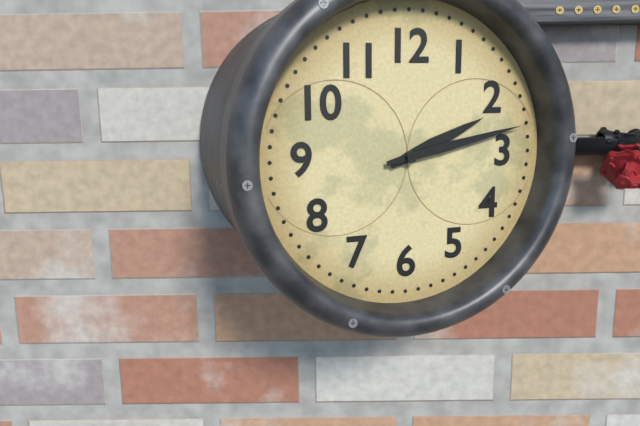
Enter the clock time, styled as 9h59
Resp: 2h13
